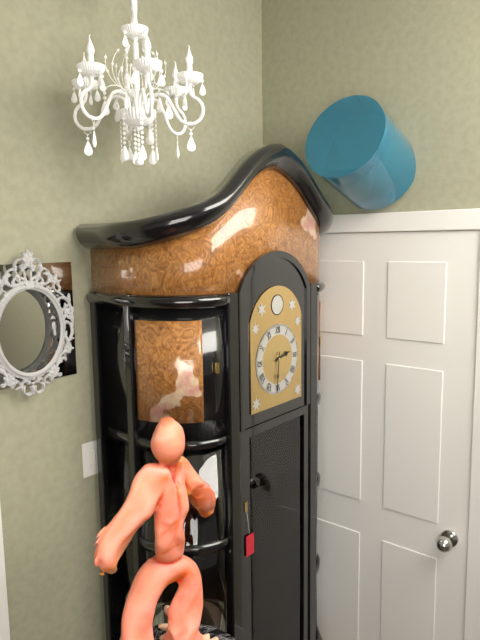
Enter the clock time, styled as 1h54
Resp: 2h31
